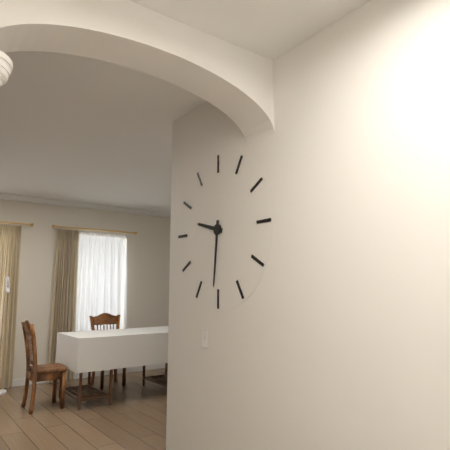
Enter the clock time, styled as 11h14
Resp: 9h31
